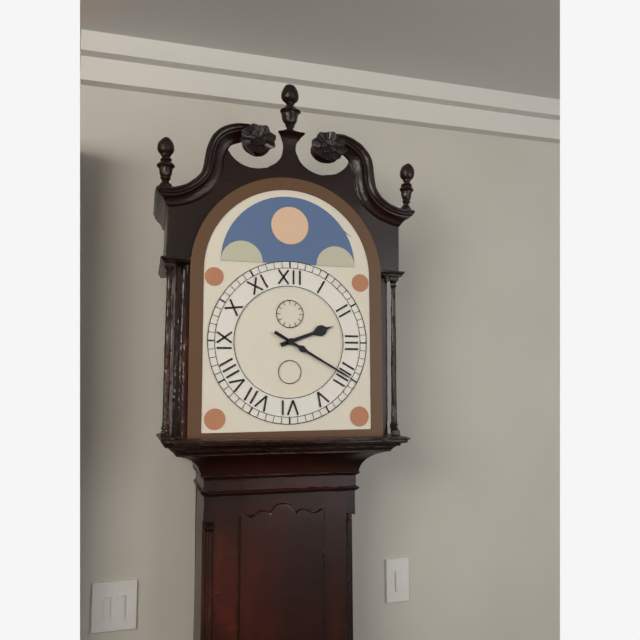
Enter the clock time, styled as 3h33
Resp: 2h20
